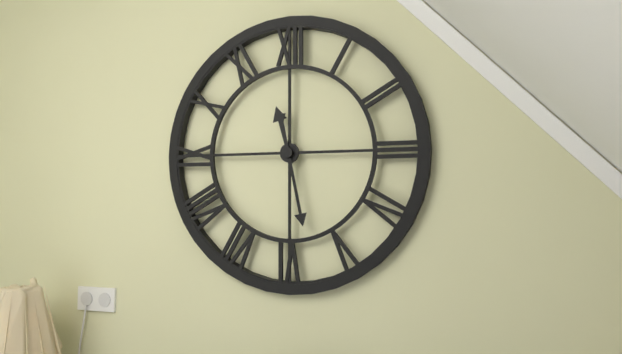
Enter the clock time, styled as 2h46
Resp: 11h28
